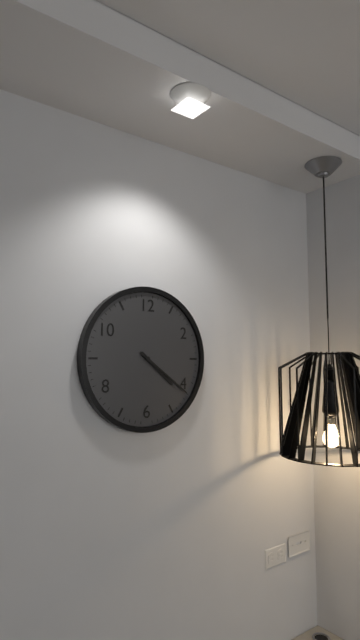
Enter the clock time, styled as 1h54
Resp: 4h21
